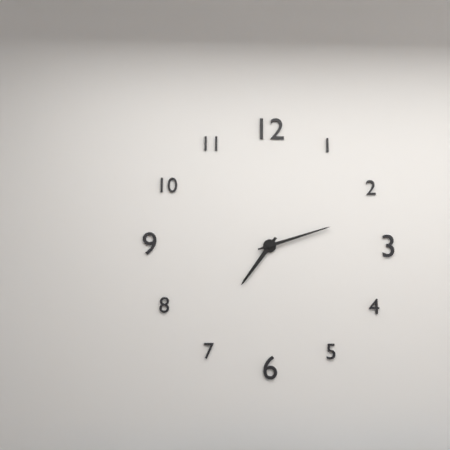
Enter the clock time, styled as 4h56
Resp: 7h12
